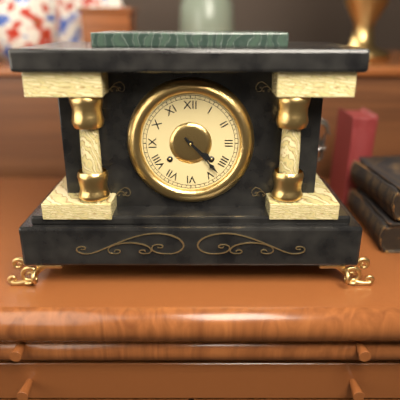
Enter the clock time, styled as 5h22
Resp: 4h23
